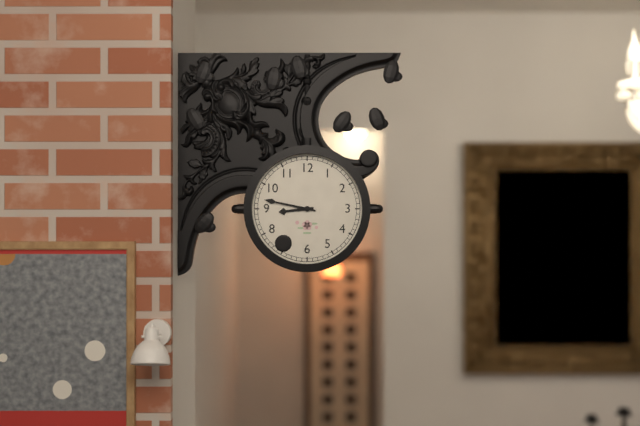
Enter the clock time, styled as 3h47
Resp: 8h47
